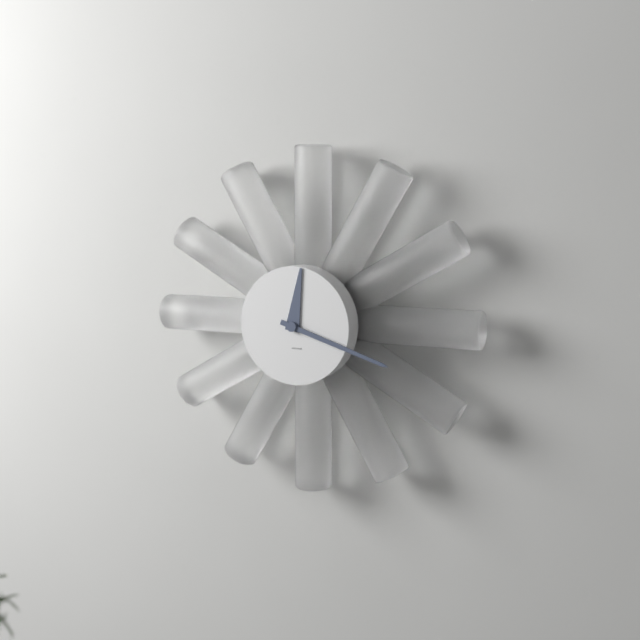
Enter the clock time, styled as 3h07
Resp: 12h18
